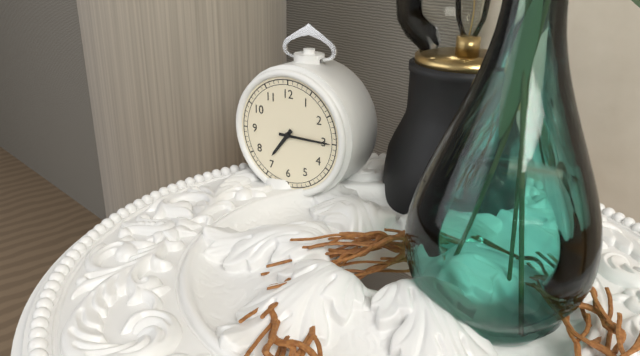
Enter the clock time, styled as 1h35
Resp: 7h15
